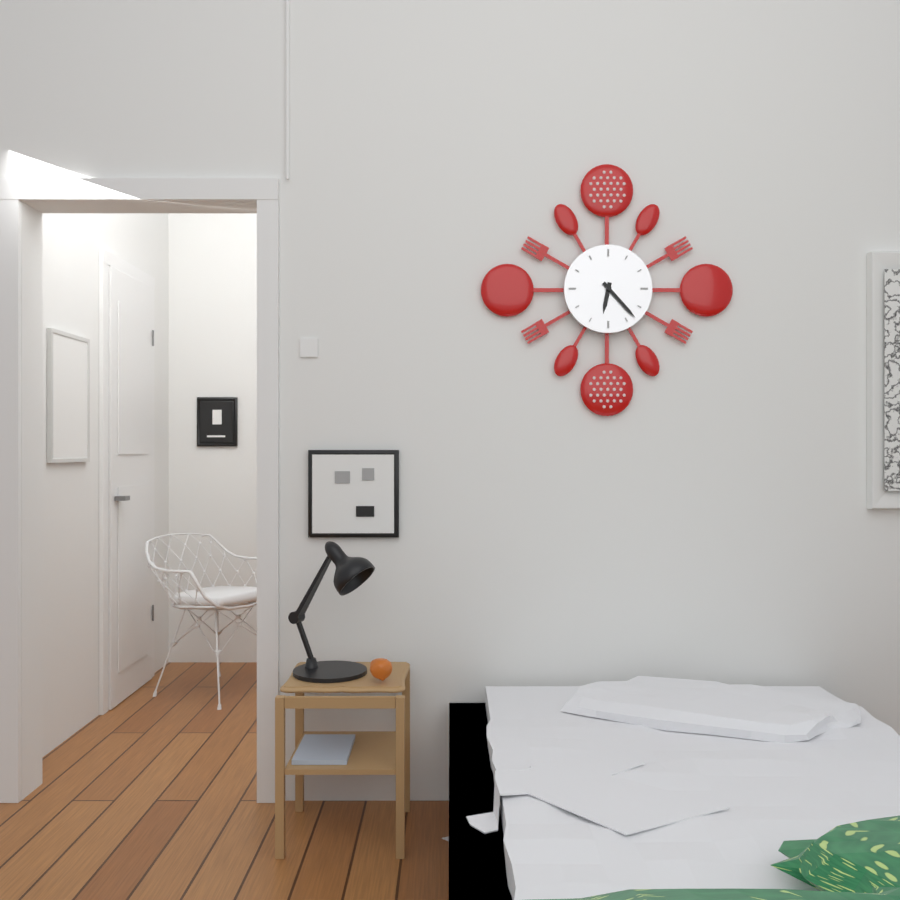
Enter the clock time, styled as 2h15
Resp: 6h23
